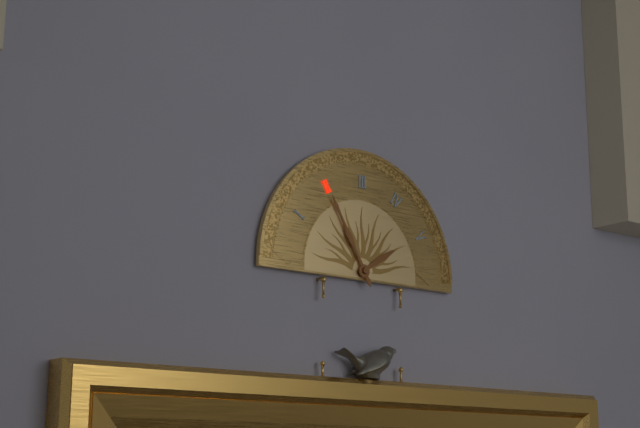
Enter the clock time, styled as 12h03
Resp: 1h55
